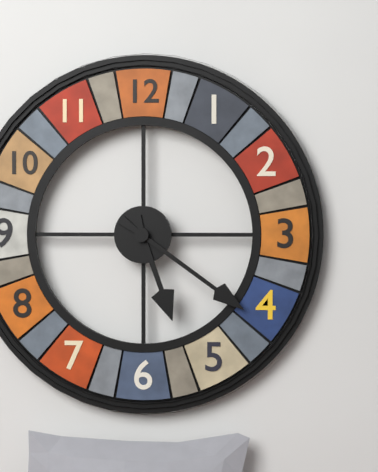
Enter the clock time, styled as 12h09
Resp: 5h21
